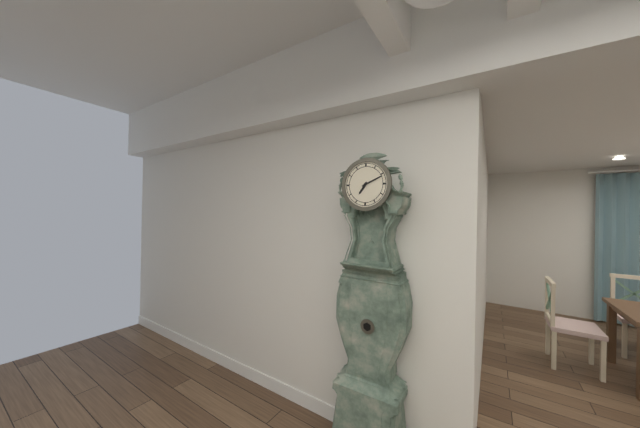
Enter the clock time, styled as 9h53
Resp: 7h11
